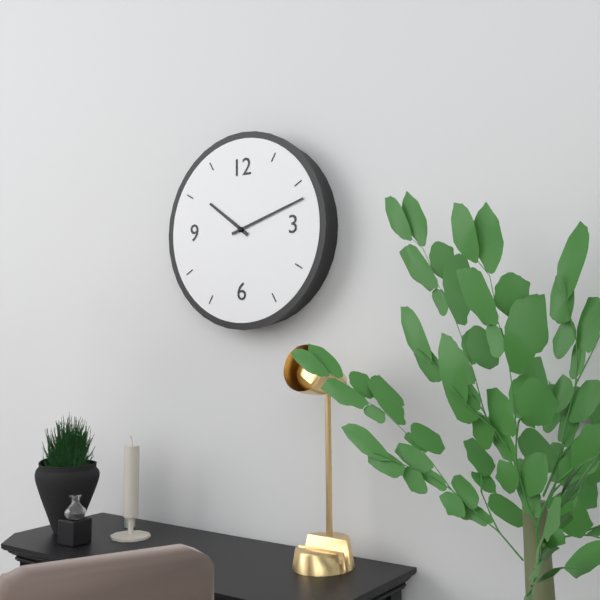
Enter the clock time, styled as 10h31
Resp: 10h12
